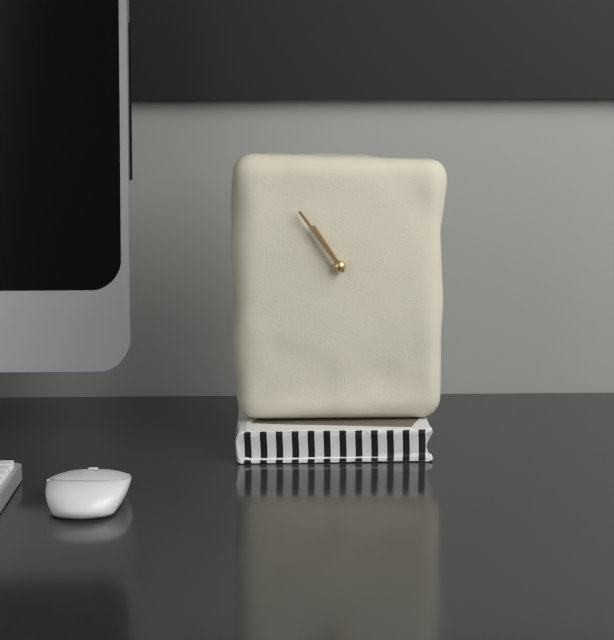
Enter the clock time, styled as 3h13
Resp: 10h54
